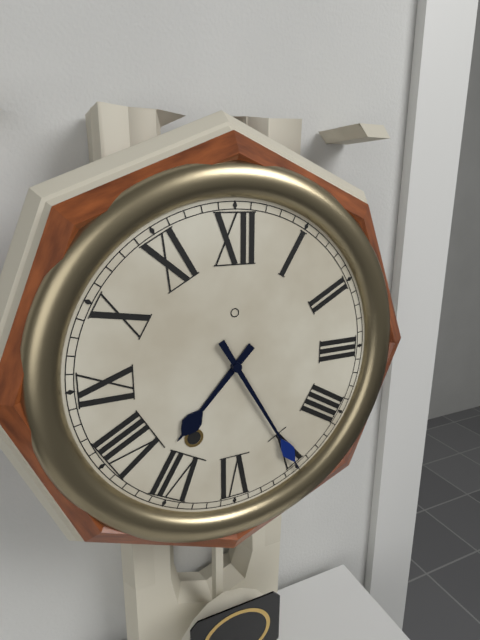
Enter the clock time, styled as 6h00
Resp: 7h25
